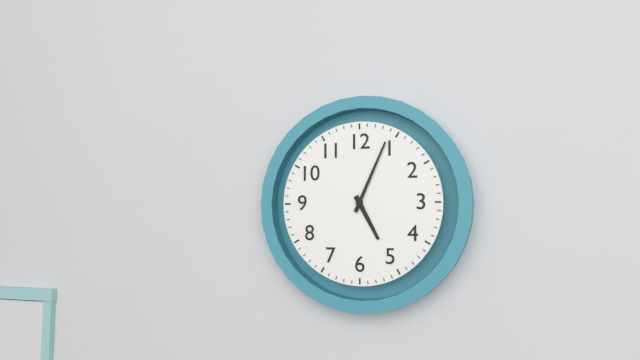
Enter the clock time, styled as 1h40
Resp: 5h04
